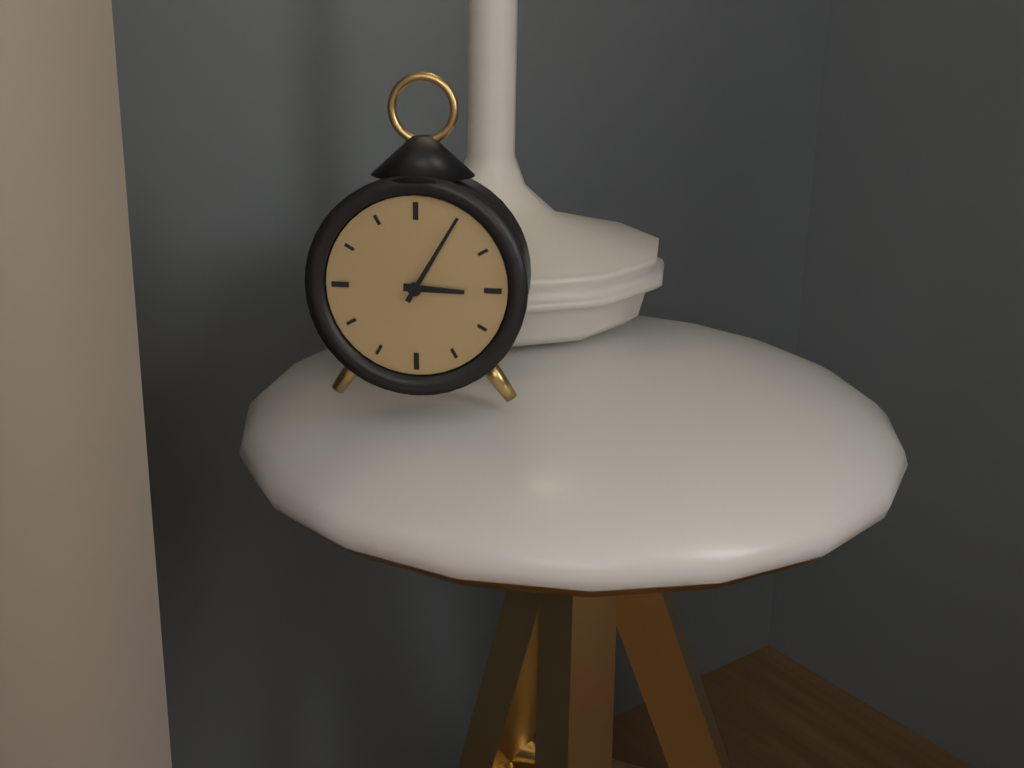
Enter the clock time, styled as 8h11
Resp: 3h05
